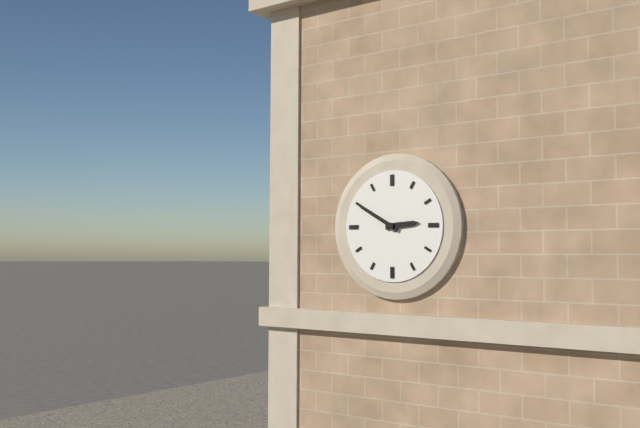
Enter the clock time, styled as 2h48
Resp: 2h50
